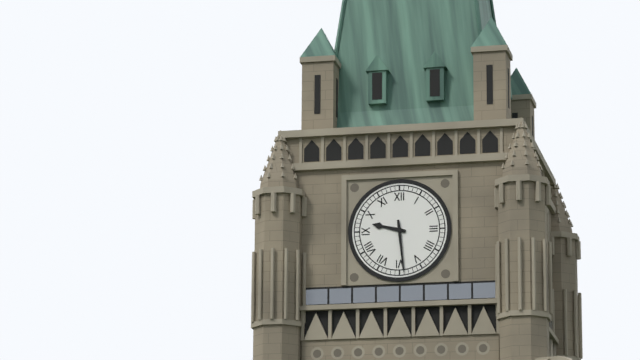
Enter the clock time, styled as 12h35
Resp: 9h29
